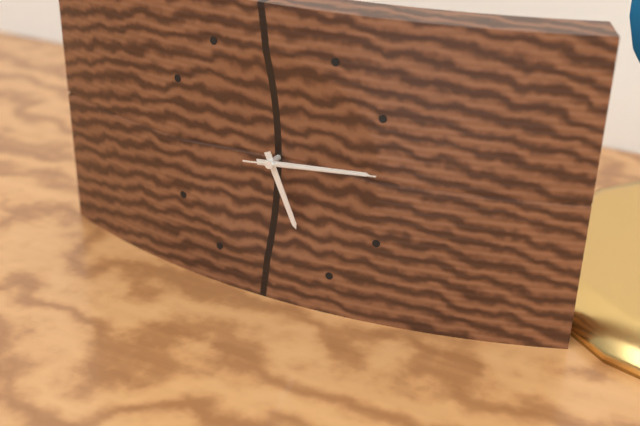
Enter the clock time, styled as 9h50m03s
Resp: 5h14m14s
